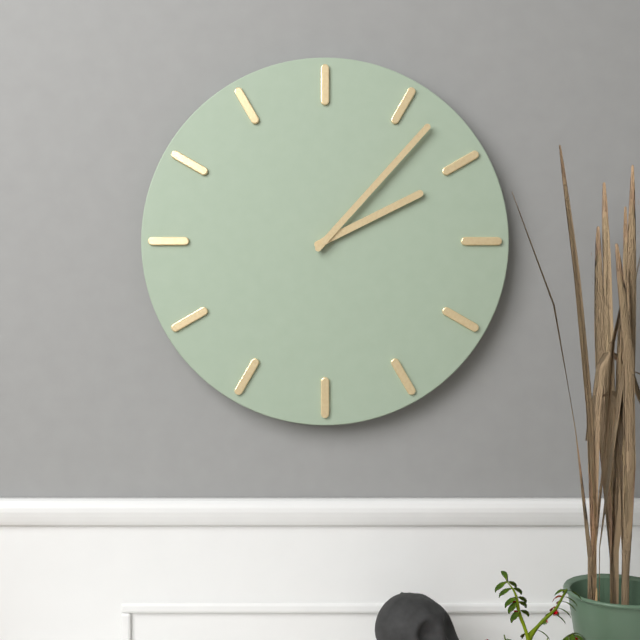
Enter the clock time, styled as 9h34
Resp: 2h07
